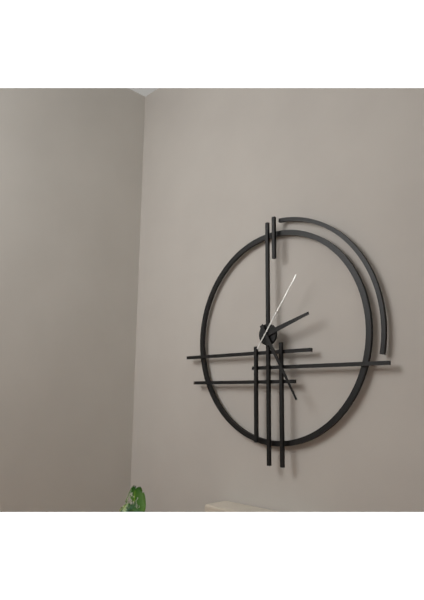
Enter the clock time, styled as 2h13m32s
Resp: 2h25m06s
